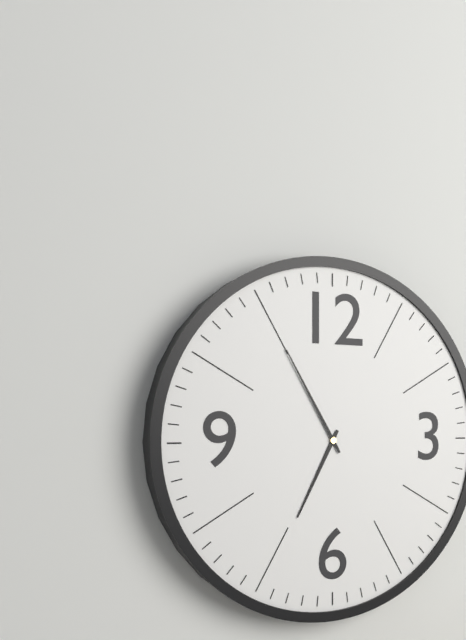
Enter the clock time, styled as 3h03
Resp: 6h55
